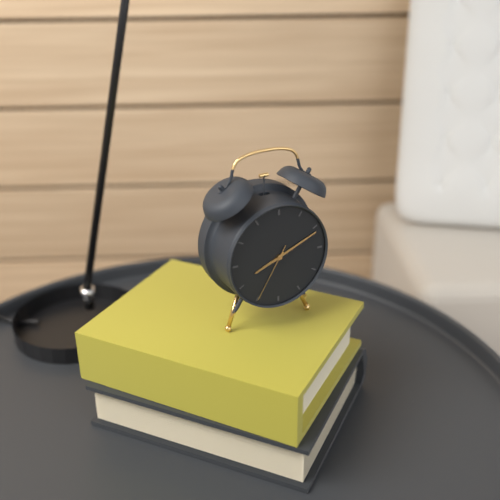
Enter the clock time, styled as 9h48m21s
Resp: 8h11m35s
